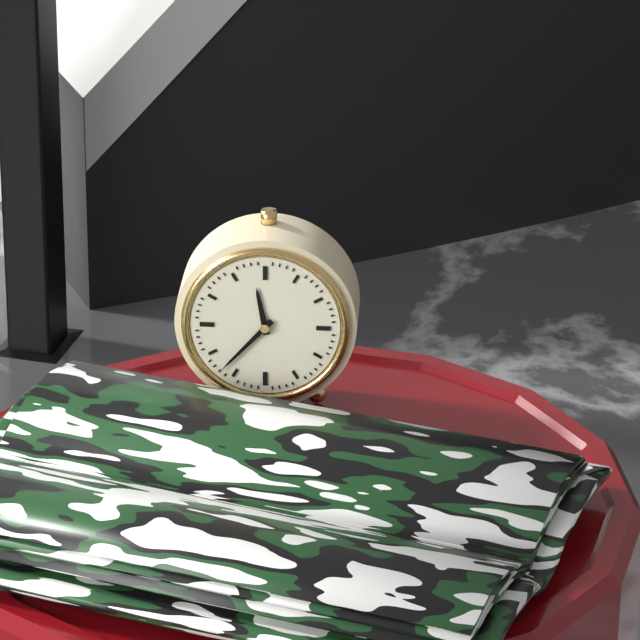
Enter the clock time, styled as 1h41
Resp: 11h37
